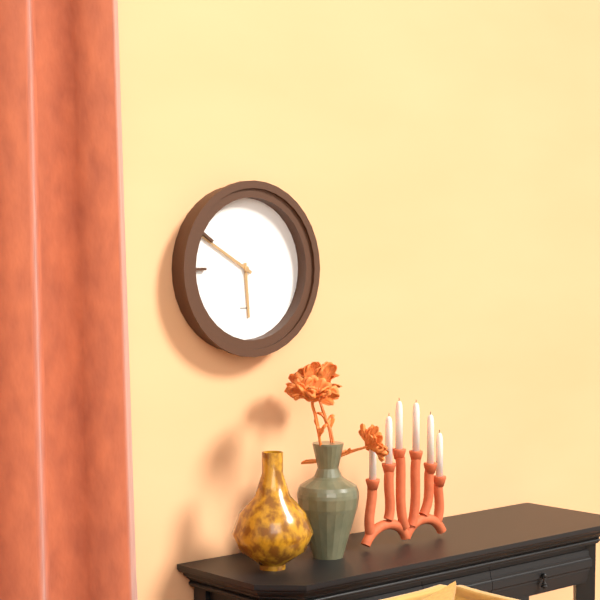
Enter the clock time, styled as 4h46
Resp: 5h50
